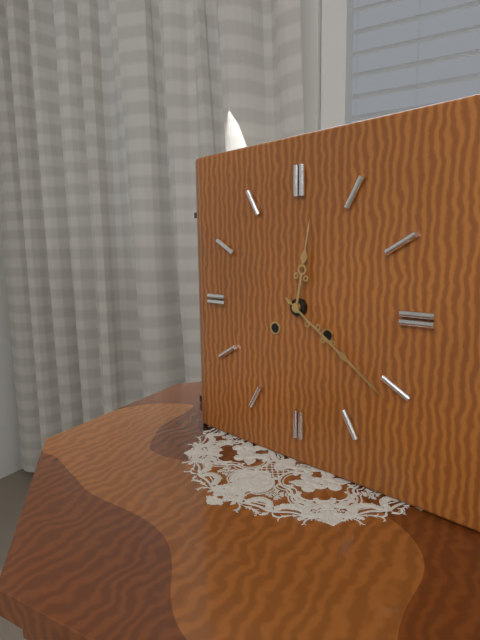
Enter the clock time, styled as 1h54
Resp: 12h21
